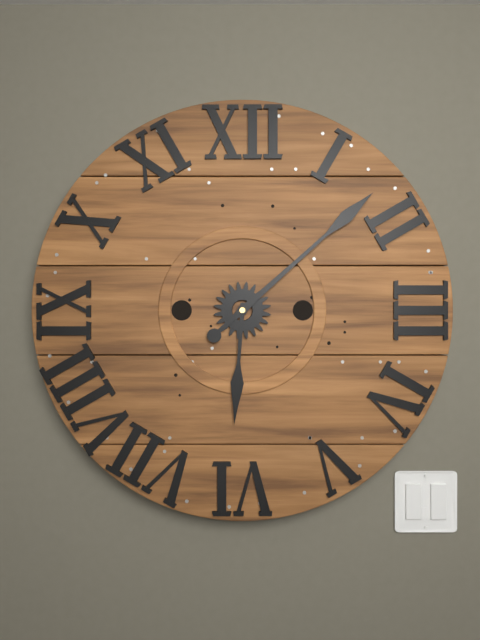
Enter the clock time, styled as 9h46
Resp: 6h08
